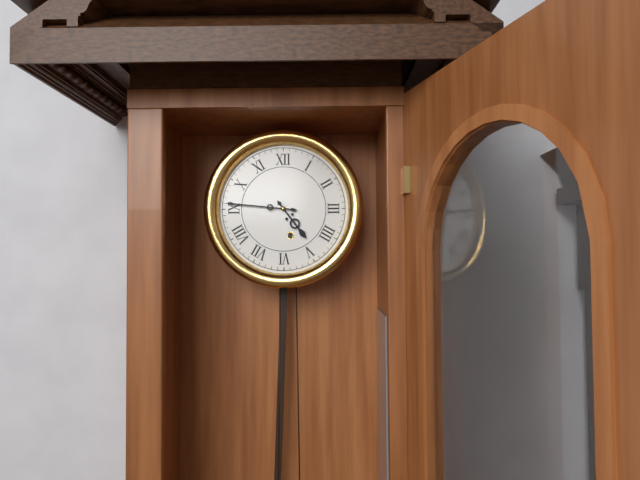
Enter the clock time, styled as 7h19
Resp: 4h46
